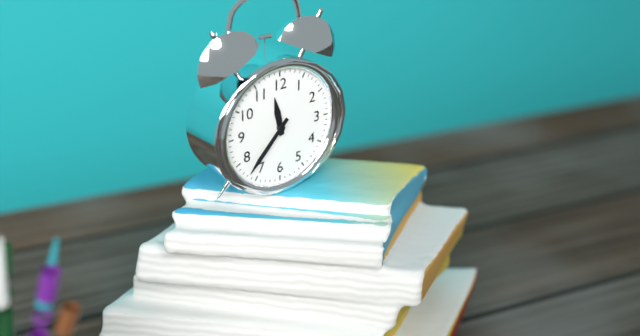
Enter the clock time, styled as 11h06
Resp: 11h37
